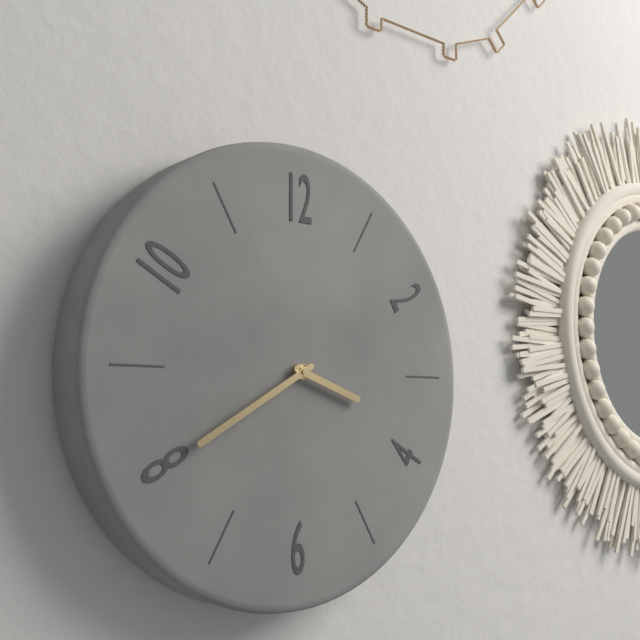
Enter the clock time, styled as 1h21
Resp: 3h40
